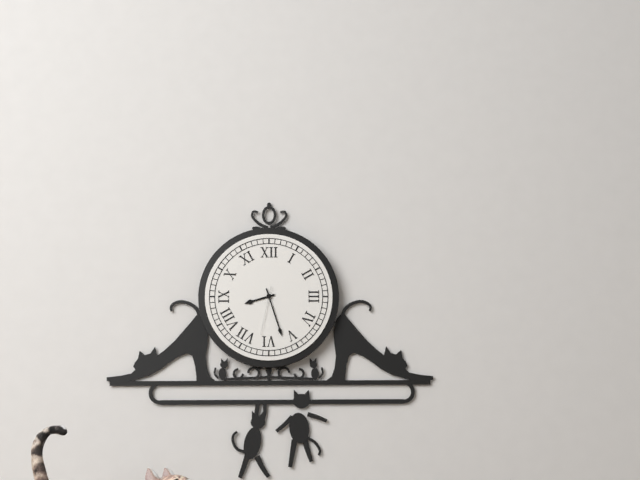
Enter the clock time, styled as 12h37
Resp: 8h27
